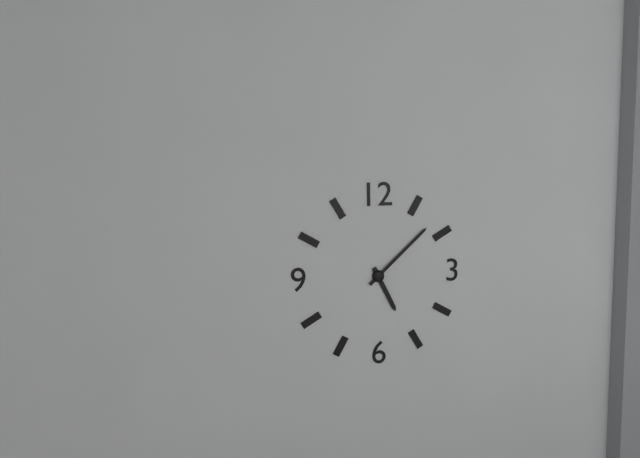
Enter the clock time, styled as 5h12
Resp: 5h08
